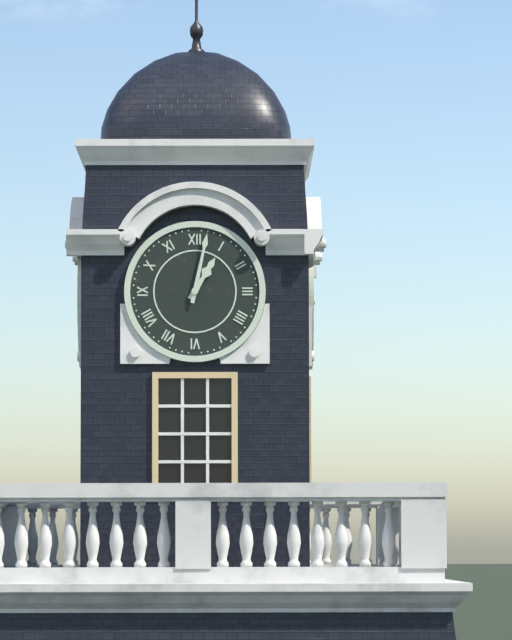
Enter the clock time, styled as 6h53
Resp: 1h02
